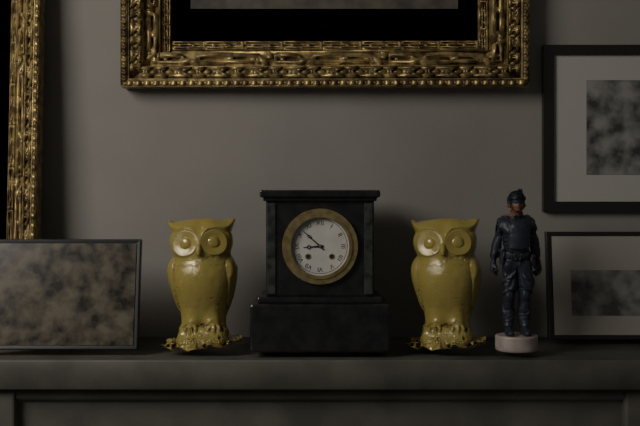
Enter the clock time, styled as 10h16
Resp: 8h52
